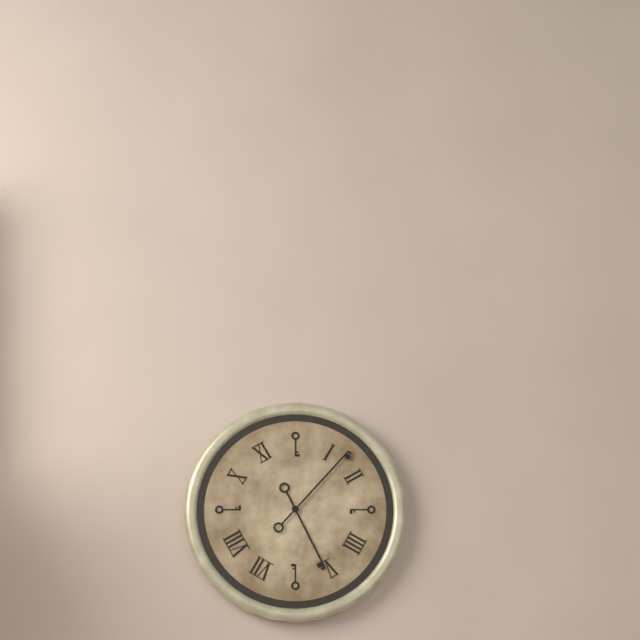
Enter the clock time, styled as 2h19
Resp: 5h07
